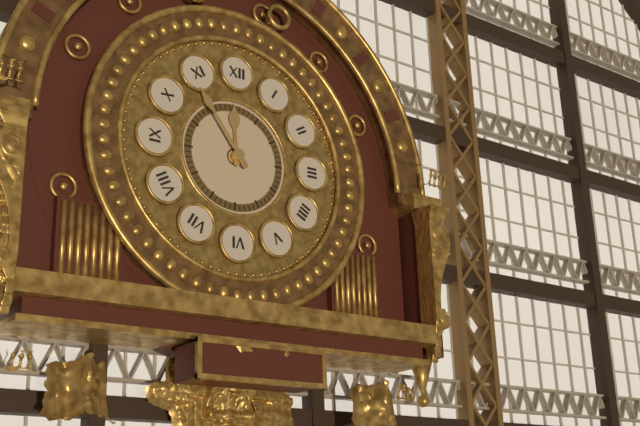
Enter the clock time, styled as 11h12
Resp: 11h54
